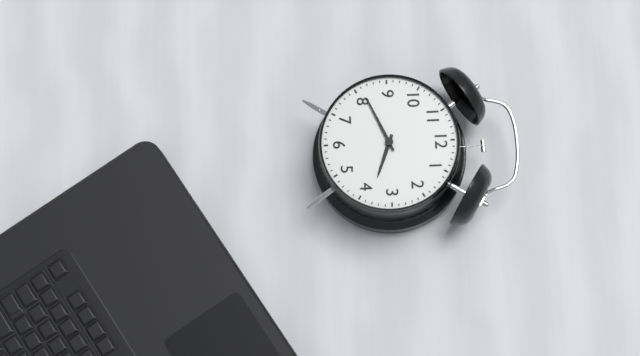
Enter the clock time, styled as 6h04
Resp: 3h41
